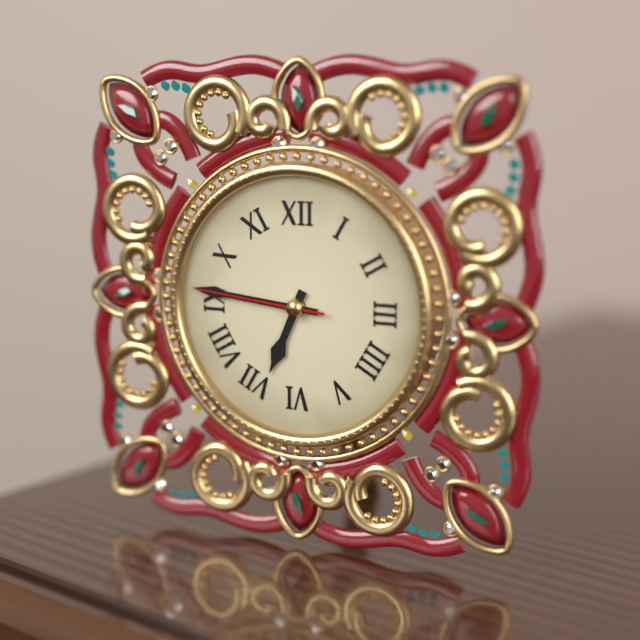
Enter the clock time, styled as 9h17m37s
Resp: 6h46m46s
